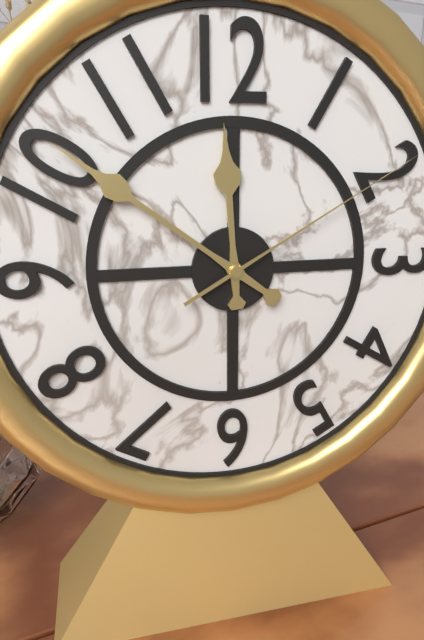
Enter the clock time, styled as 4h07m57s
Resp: 11h51m10s
